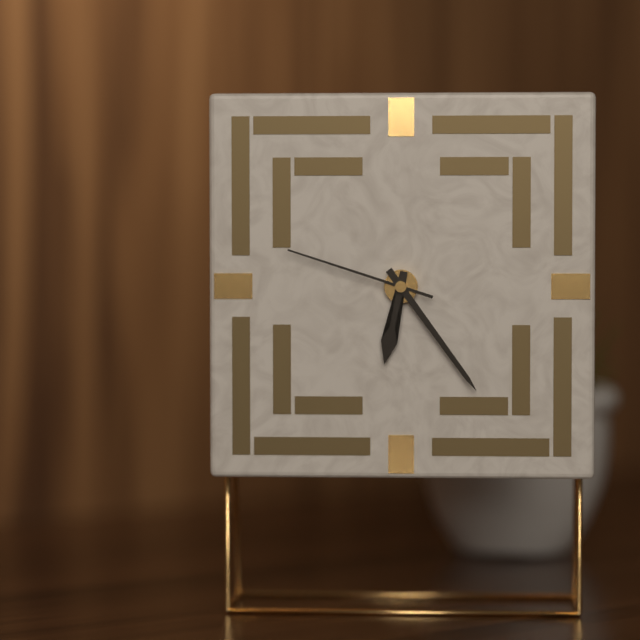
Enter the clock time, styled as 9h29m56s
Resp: 6h24m48s
